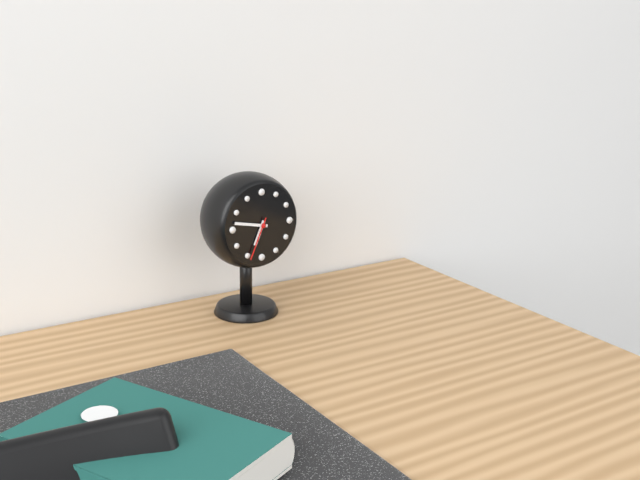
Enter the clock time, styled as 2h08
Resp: 6h47
